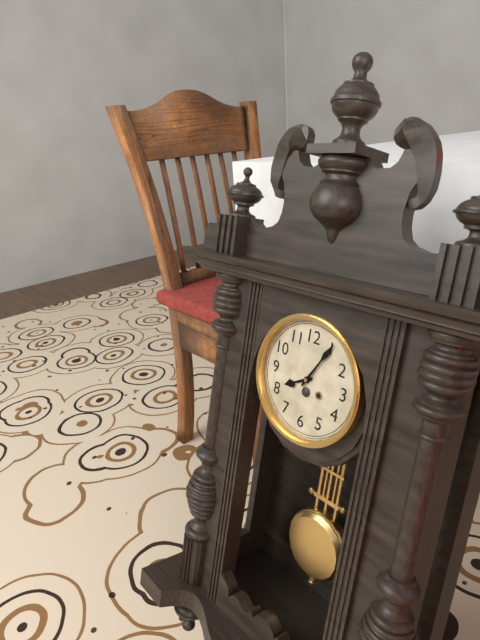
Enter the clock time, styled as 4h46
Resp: 8h05
